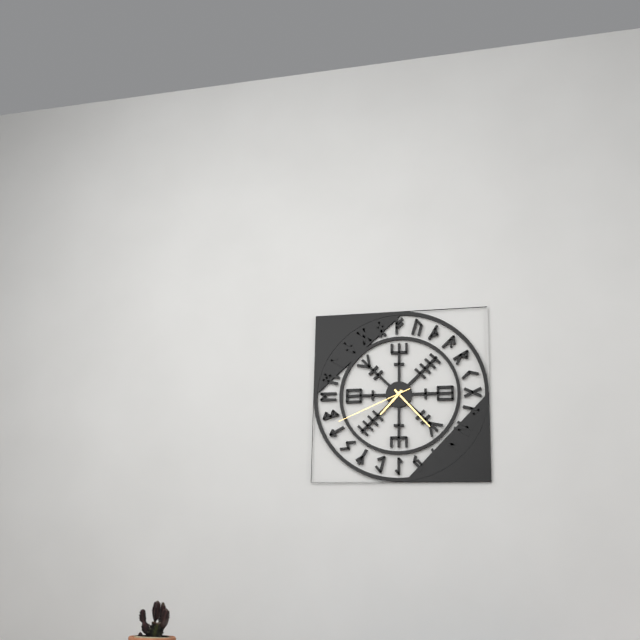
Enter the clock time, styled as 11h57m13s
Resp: 7h23m41s
